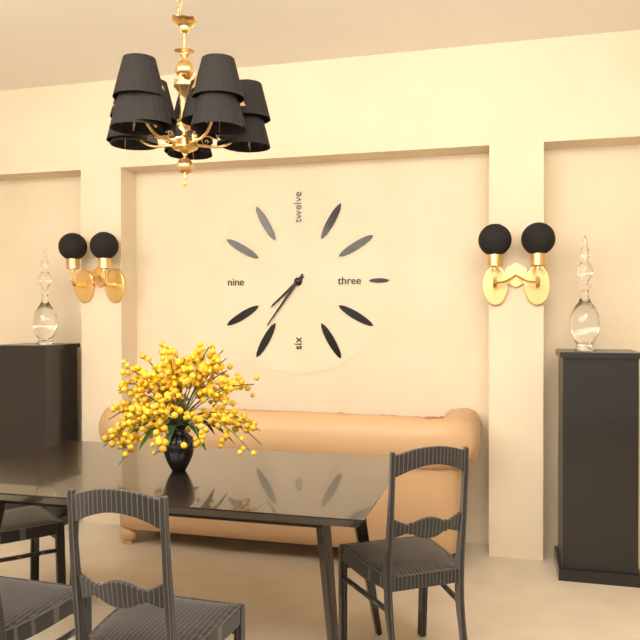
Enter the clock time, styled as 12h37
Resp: 7h36
